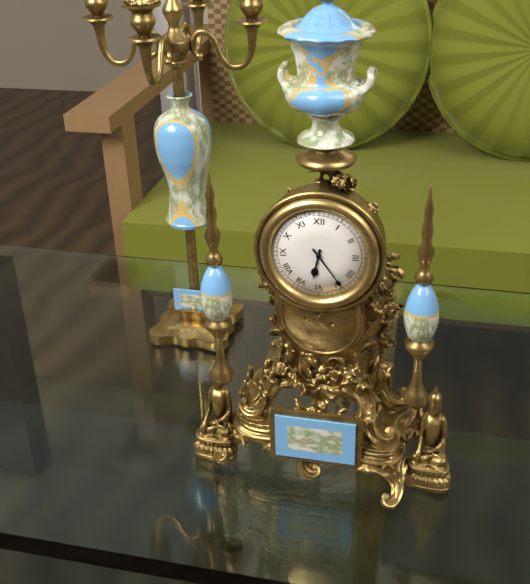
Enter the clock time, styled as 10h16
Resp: 6h24
